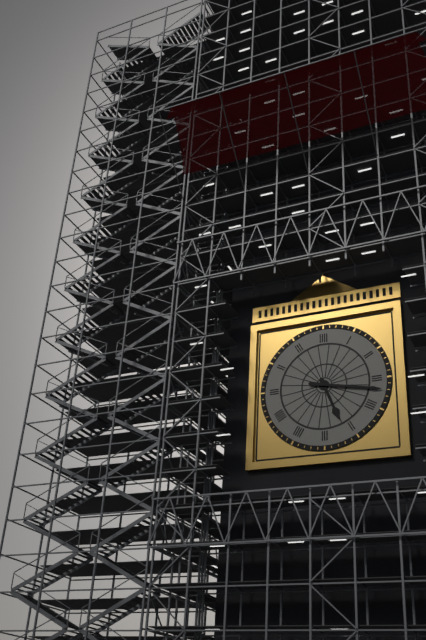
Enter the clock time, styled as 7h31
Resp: 5h17
